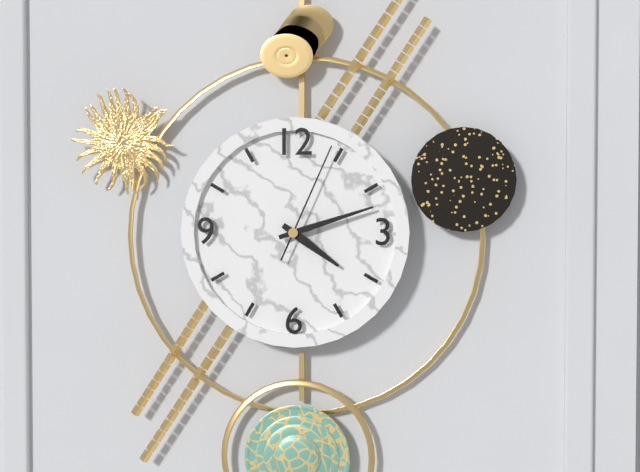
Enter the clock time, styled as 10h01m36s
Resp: 4h12m04s
